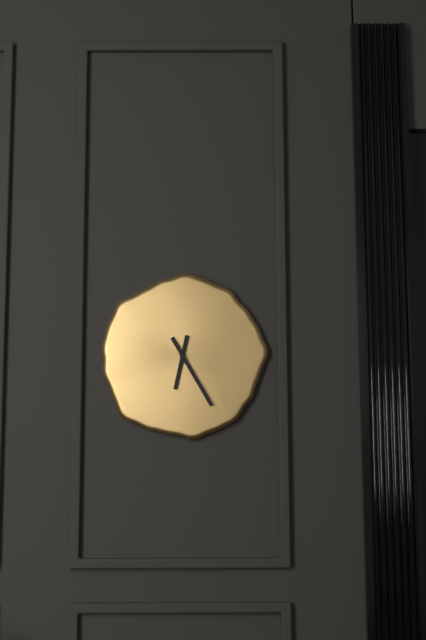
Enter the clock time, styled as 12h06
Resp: 6h25
